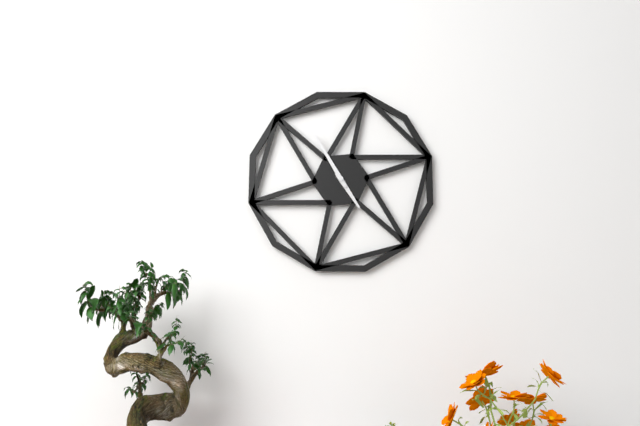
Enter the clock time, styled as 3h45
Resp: 4h55
